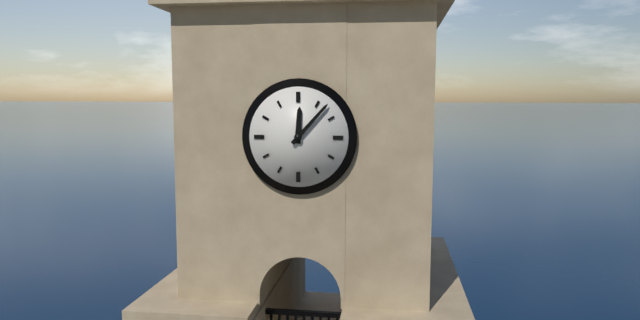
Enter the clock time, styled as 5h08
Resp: 12h07
